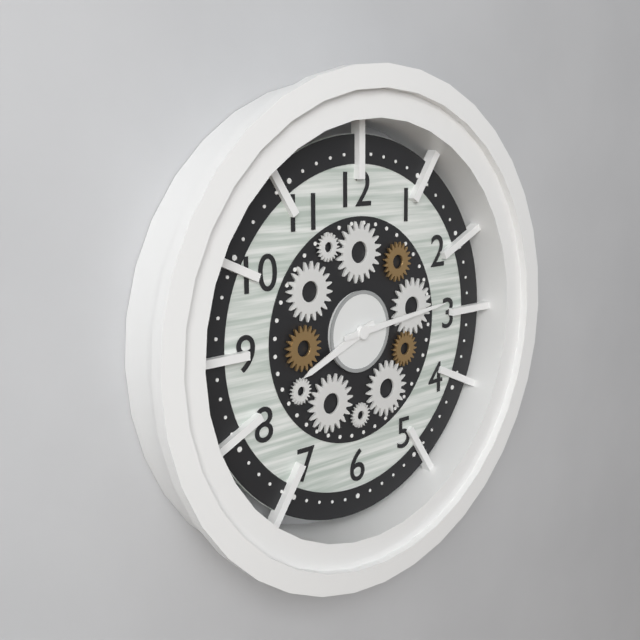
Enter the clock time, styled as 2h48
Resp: 8h14
